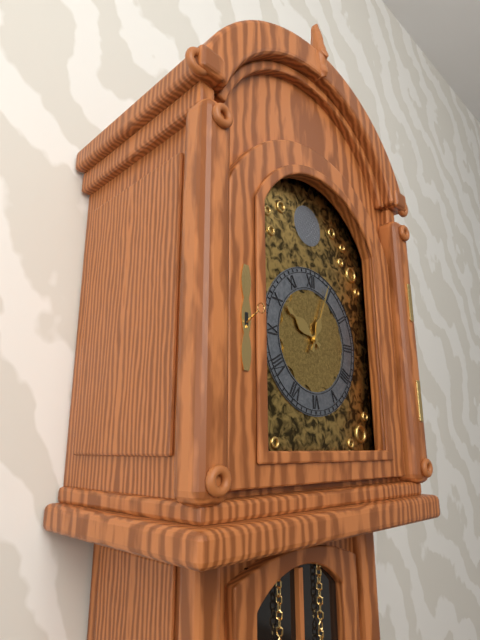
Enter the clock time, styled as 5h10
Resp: 10h04
